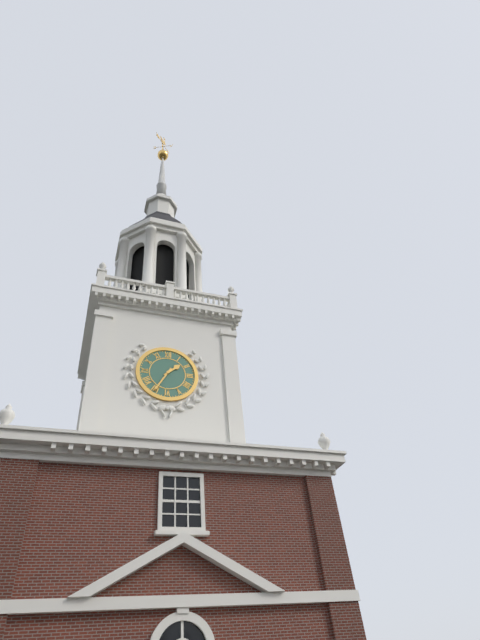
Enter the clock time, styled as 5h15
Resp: 1h35
